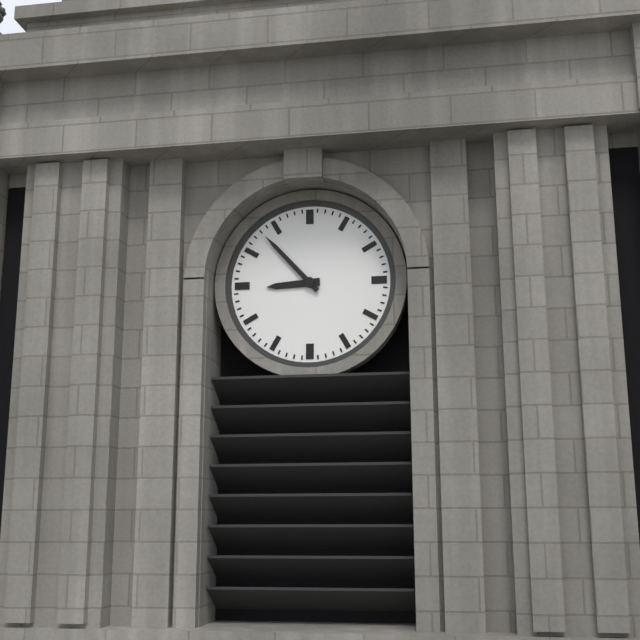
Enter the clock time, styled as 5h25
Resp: 8h53
